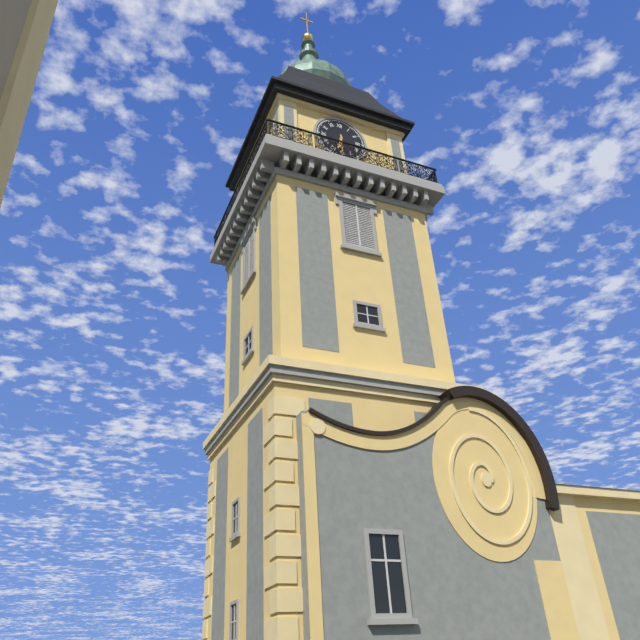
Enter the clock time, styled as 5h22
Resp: 6h30
